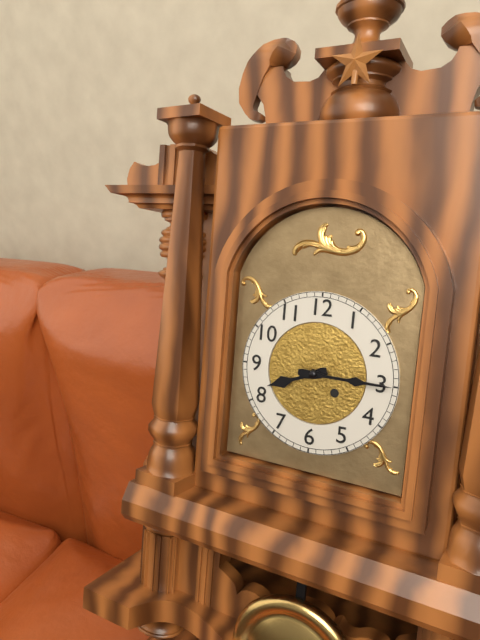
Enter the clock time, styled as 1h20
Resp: 8h15
